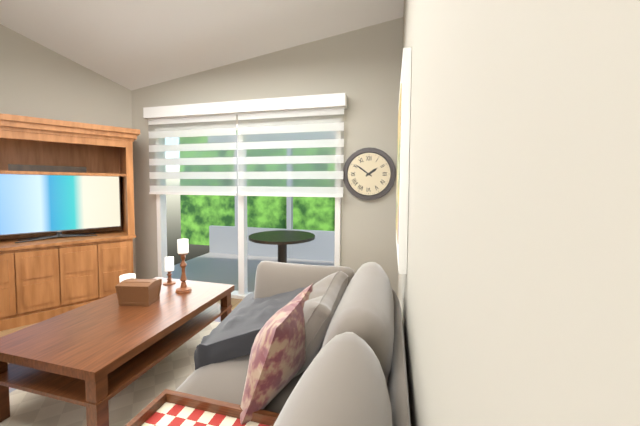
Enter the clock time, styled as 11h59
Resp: 1h51
